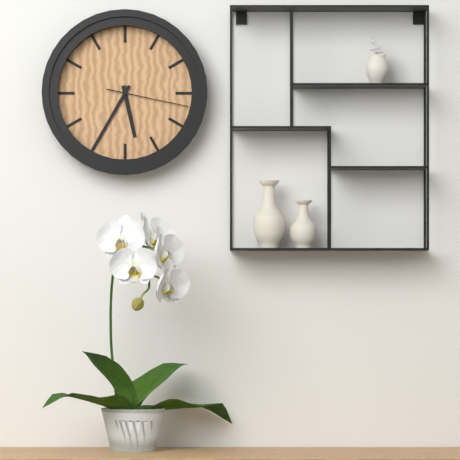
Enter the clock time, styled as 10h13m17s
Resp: 5h35m17s
